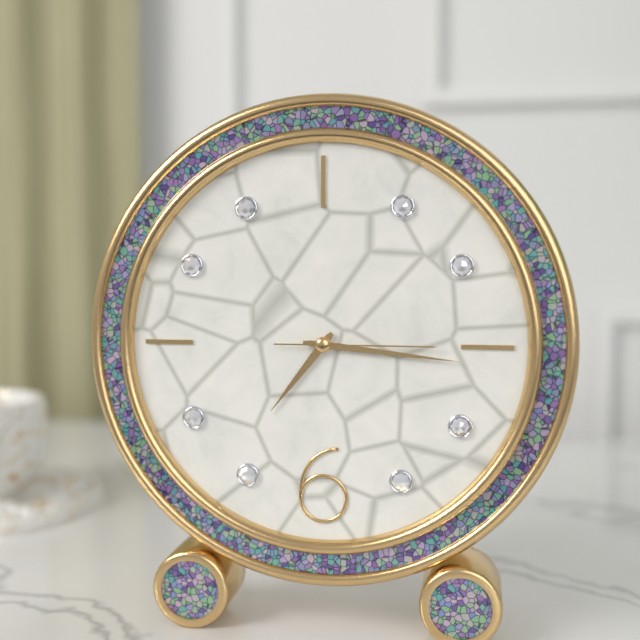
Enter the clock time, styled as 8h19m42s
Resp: 7h16m15s
